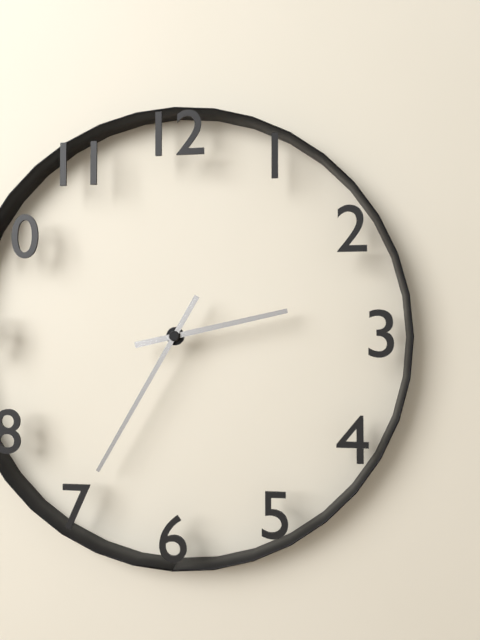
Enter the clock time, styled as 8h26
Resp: 2h35
